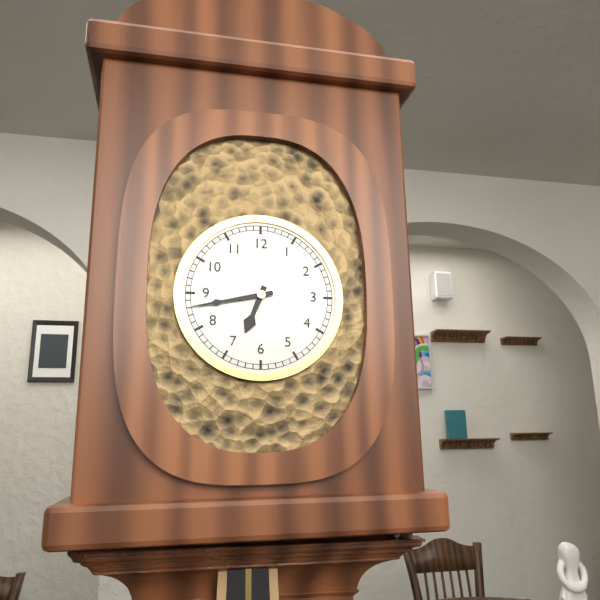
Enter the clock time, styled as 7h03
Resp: 6h43
